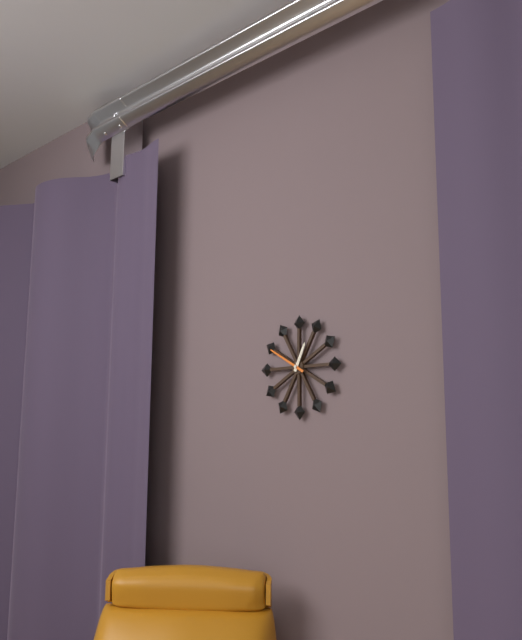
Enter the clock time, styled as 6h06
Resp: 12h50
